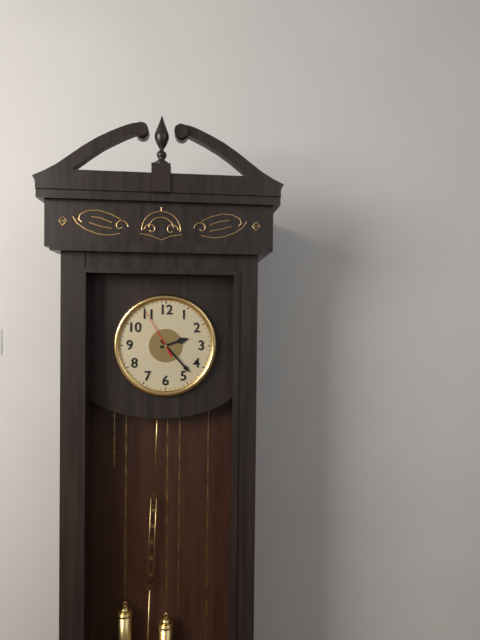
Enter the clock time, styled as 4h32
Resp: 2h23
